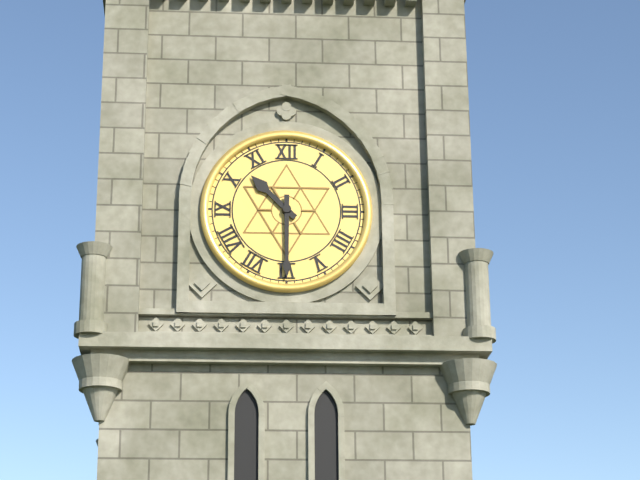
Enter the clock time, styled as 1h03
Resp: 10h30
